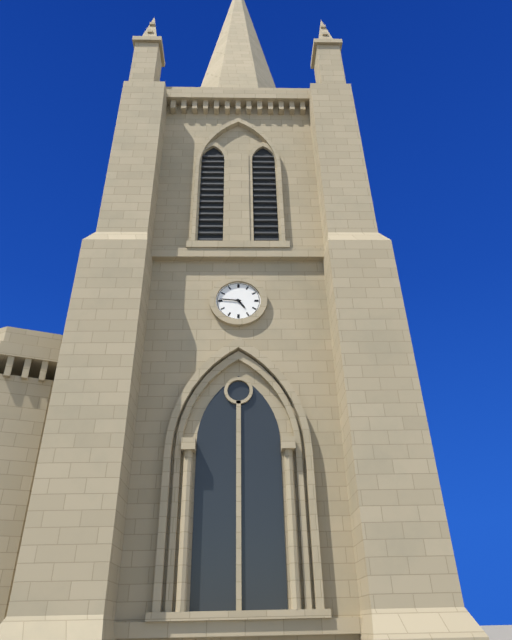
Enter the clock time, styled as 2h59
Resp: 4h46
